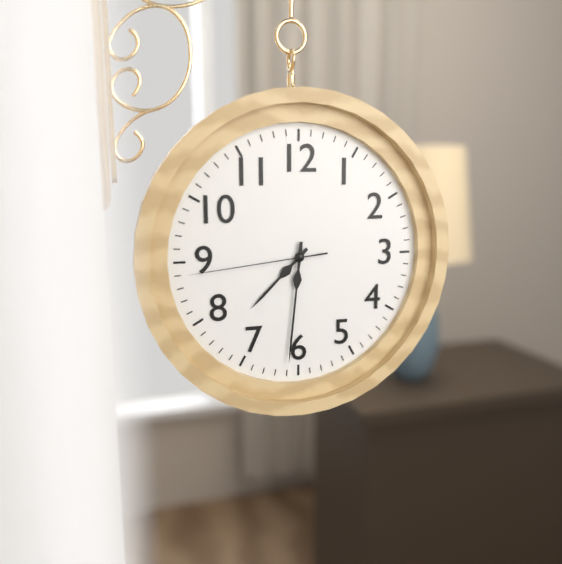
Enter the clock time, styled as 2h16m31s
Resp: 7h31m44s
